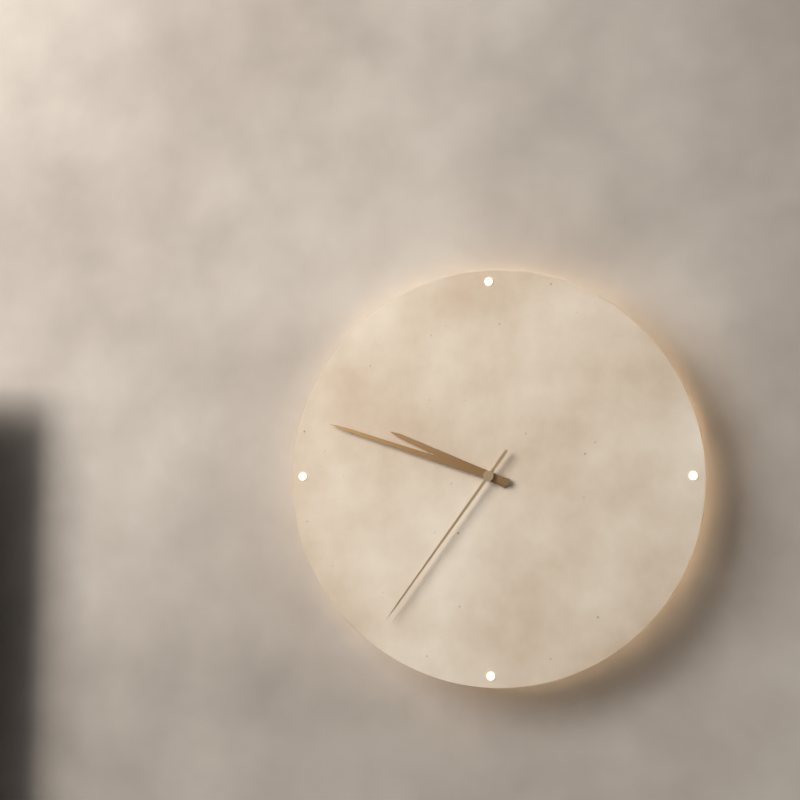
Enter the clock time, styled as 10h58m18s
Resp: 9h48m36s
